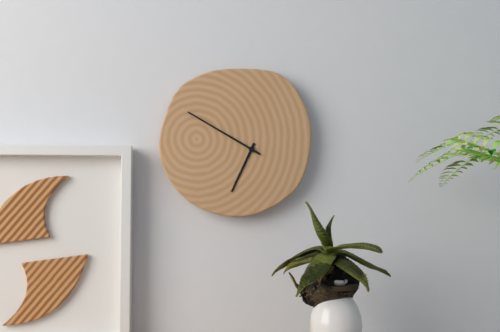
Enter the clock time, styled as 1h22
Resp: 6h50
